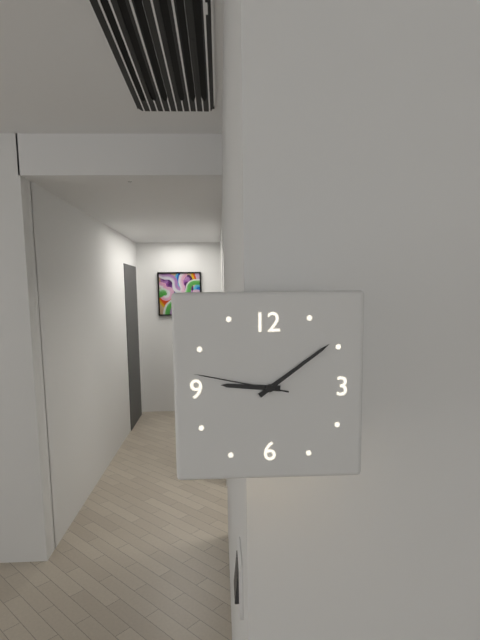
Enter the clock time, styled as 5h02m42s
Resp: 9h09m47s
